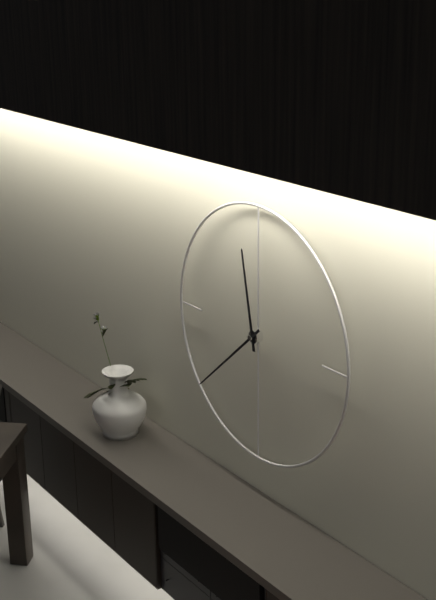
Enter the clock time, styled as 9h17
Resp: 11h38
